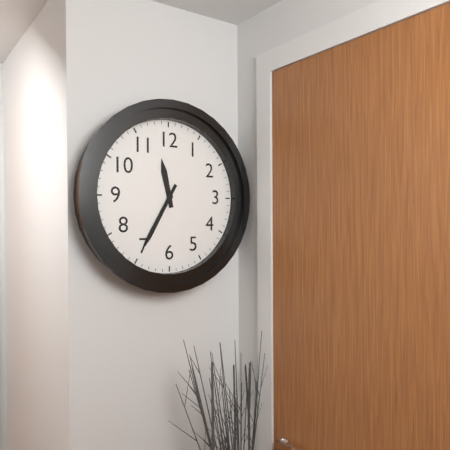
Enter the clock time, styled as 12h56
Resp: 11h35
